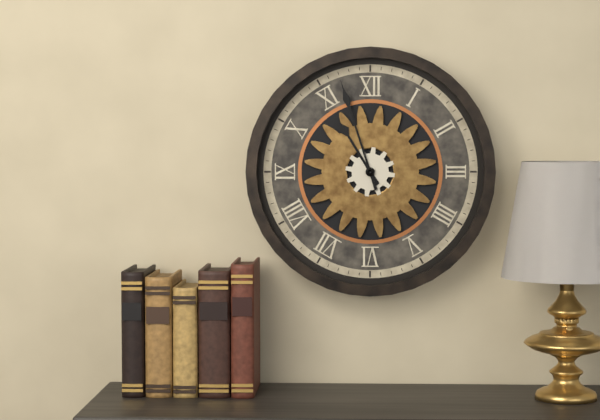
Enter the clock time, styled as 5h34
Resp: 10h57
